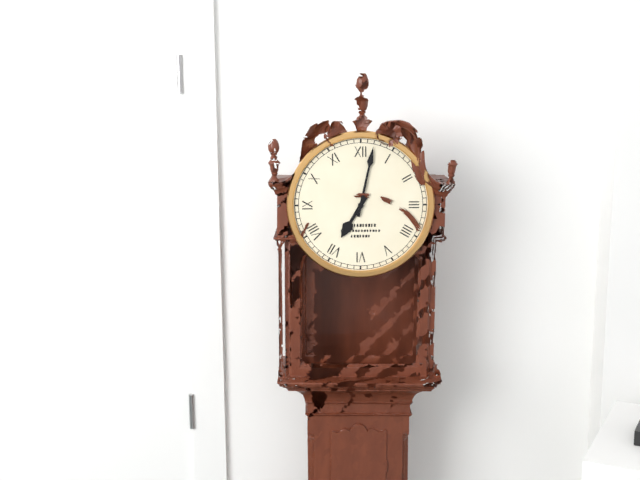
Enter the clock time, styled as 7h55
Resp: 7h02
